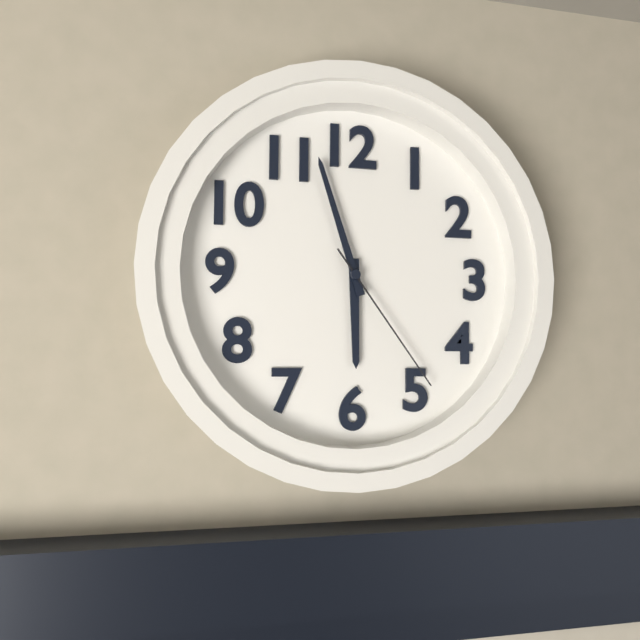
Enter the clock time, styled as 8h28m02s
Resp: 5h57m24s
